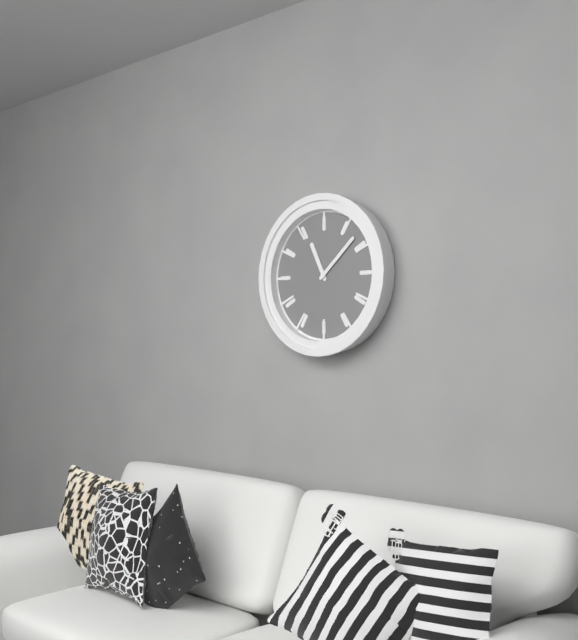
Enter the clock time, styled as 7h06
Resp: 11h08
